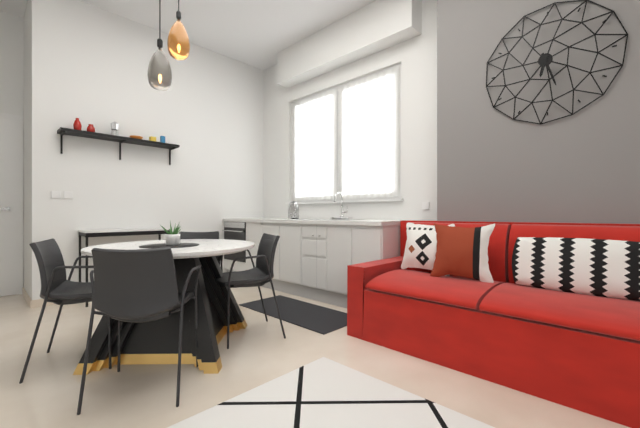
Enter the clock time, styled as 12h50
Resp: 6h27
